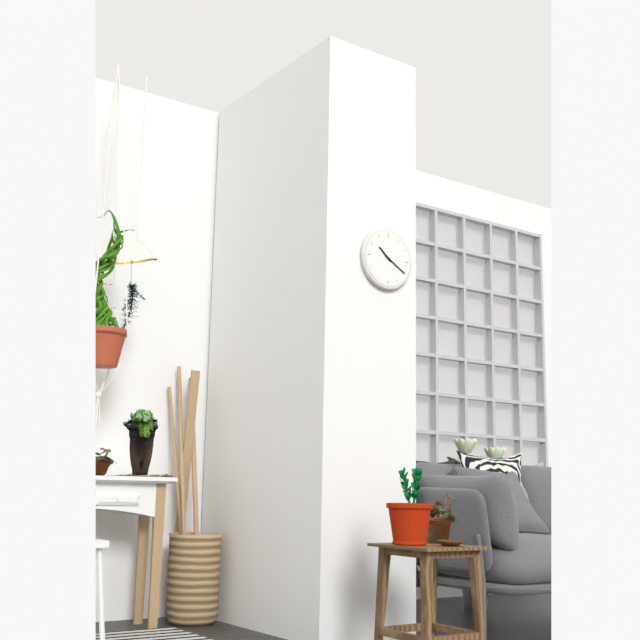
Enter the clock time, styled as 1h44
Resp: 10h20
